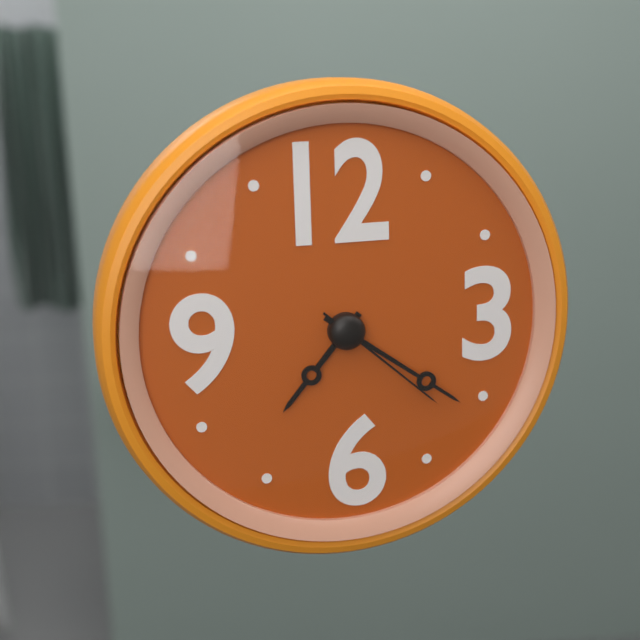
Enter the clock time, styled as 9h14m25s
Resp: 7h21m22s
